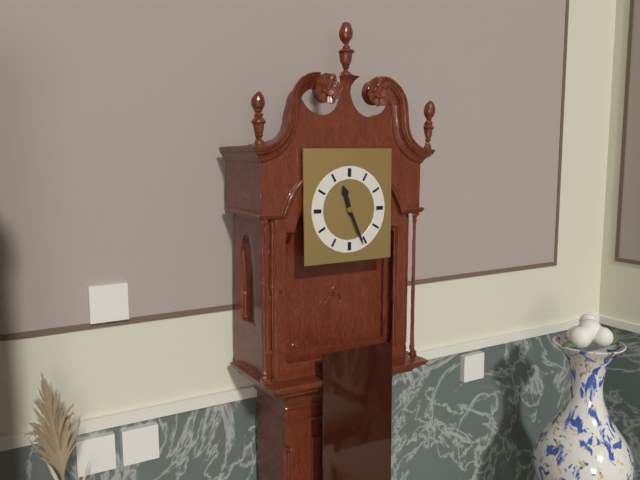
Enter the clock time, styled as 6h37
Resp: 11h26
